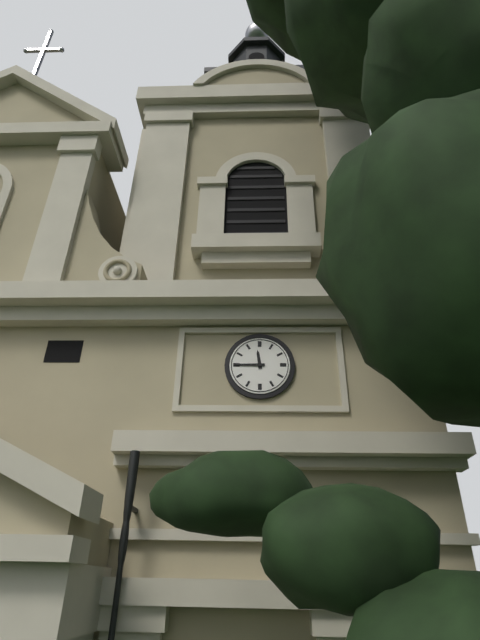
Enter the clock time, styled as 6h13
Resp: 11h45
